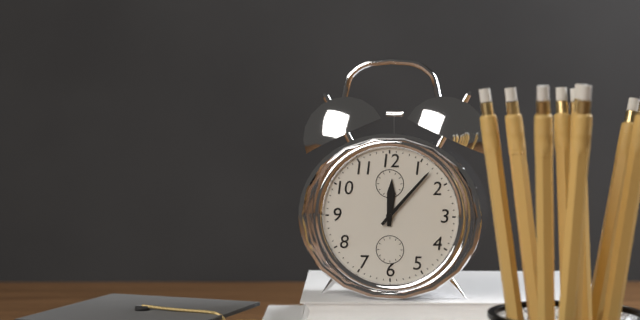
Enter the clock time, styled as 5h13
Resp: 12h07
